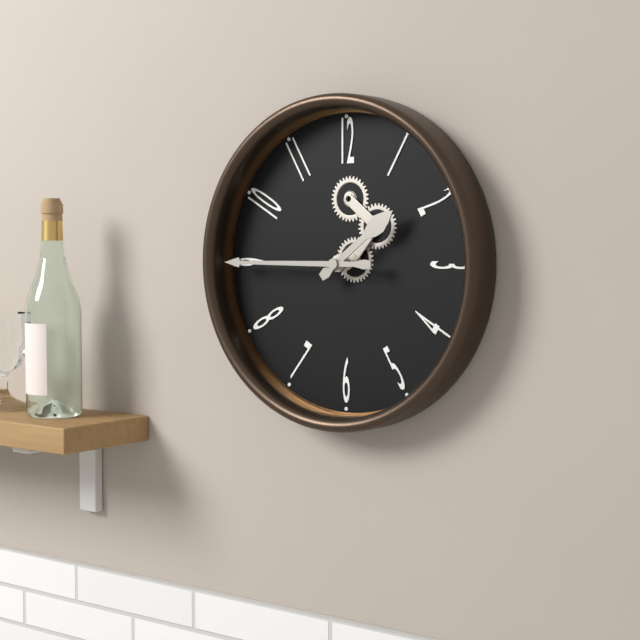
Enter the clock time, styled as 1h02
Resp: 1h45
